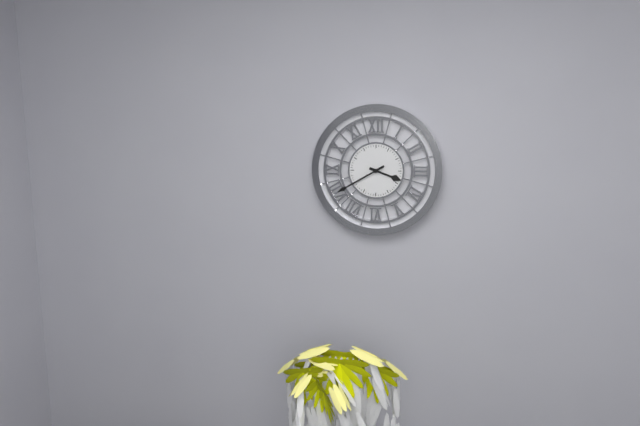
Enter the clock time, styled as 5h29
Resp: 3h40
